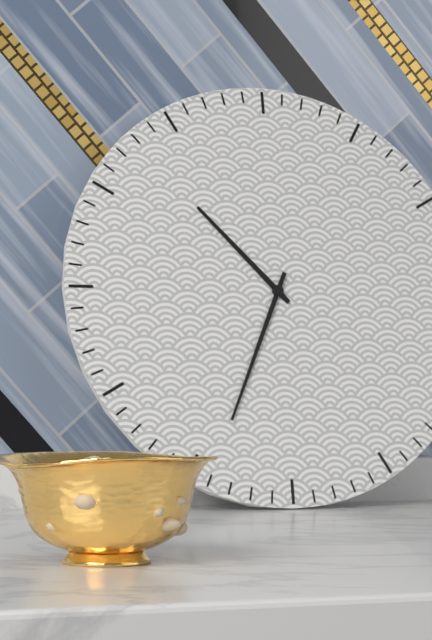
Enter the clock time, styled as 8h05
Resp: 10h34
